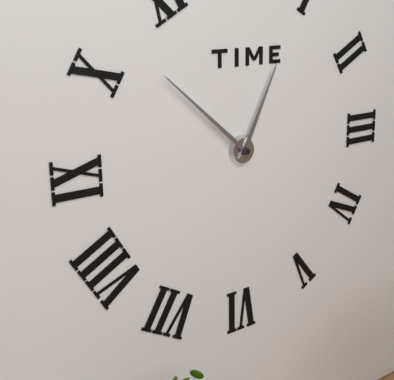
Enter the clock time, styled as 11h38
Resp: 12h52
